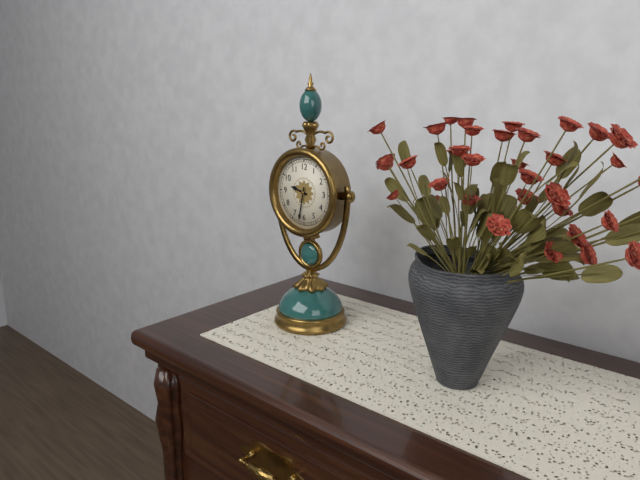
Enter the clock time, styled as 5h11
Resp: 9h32
